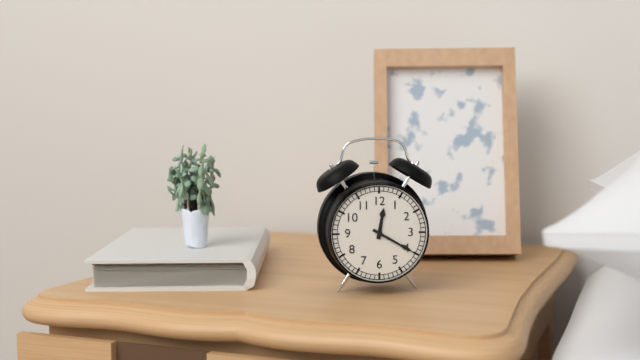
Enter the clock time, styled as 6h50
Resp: 12h20
